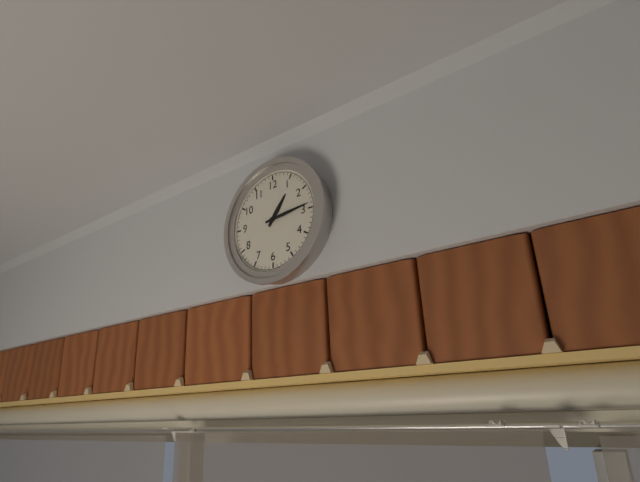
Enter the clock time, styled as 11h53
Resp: 1h14
